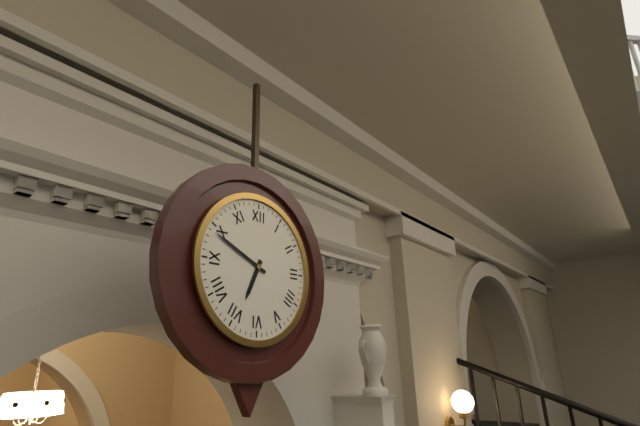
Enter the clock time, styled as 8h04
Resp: 6h49
